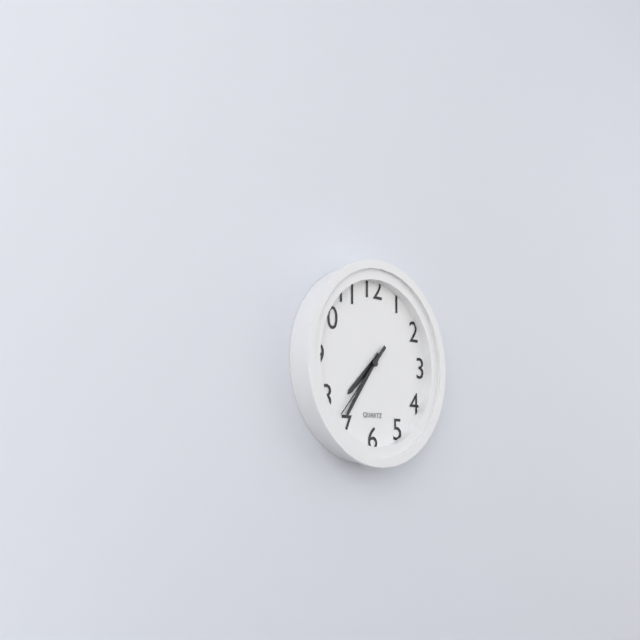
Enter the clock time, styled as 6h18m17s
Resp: 7h36m37s
